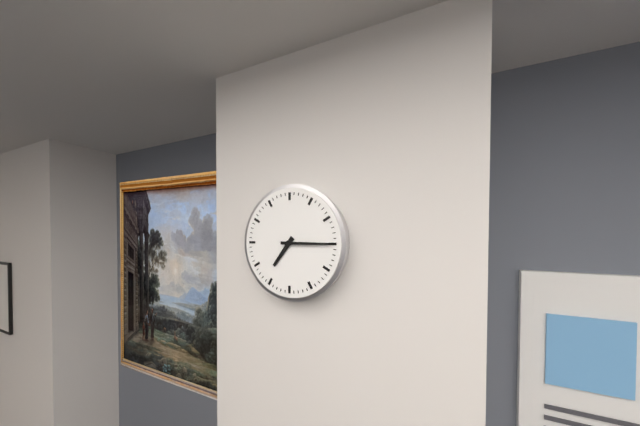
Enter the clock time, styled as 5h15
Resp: 7h15
